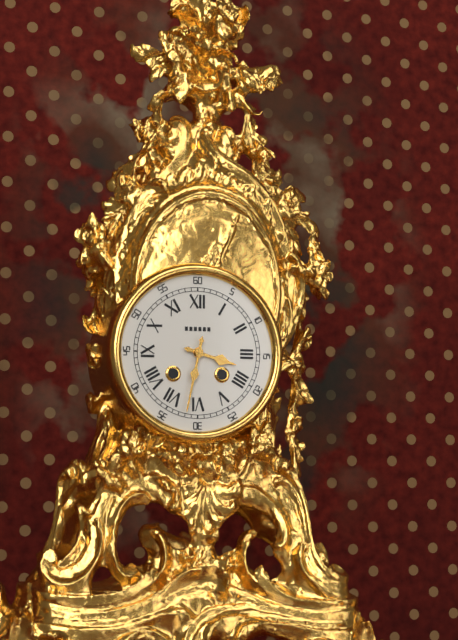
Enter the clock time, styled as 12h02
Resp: 3h32
